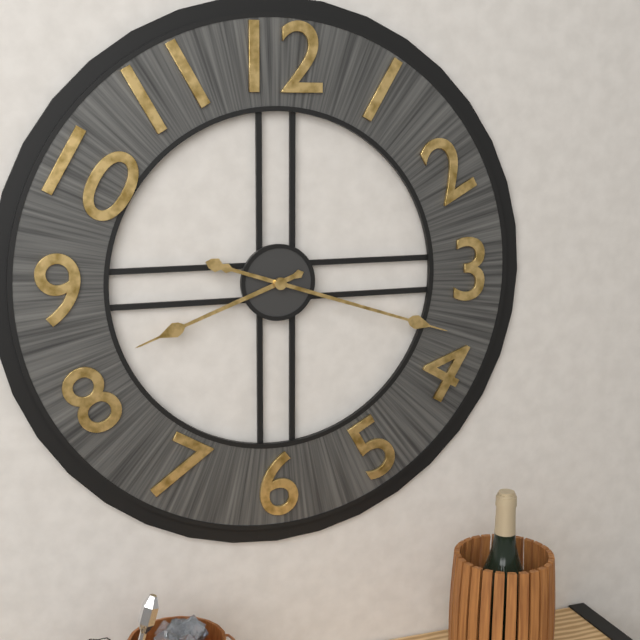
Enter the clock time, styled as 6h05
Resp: 8h18
